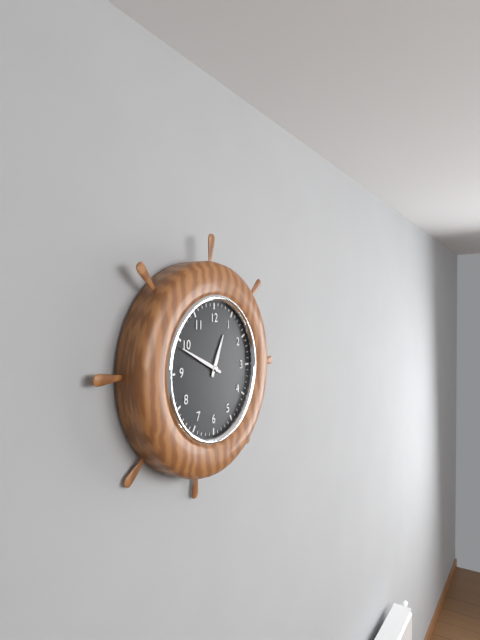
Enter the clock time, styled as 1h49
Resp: 12h49
